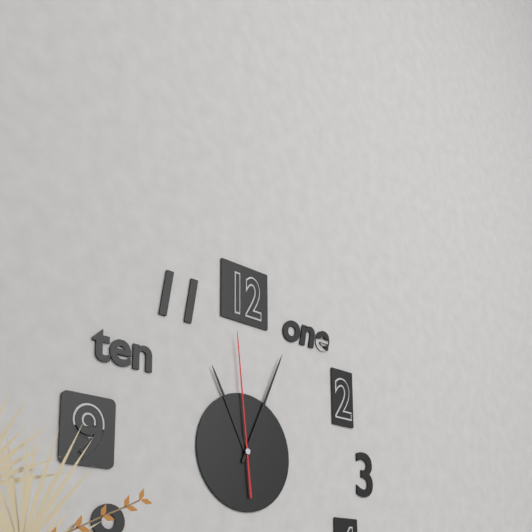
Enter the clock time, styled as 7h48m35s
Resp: 11h04m59s
